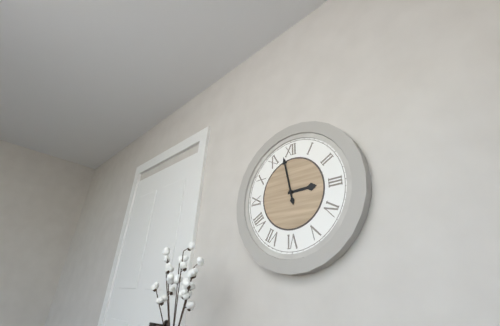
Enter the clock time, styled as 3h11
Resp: 2h58
